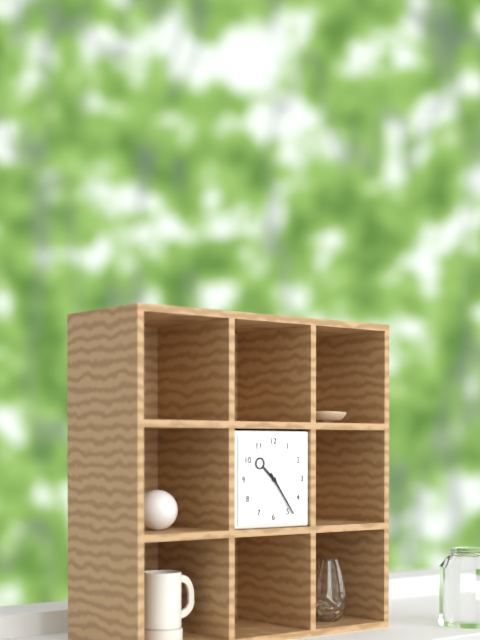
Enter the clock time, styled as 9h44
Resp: 10h24
